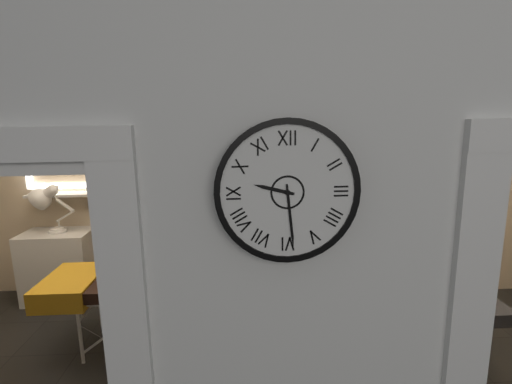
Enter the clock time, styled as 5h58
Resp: 9h29
